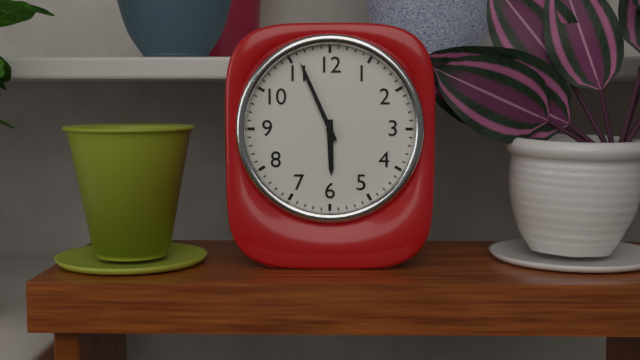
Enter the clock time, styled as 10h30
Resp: 5h56
